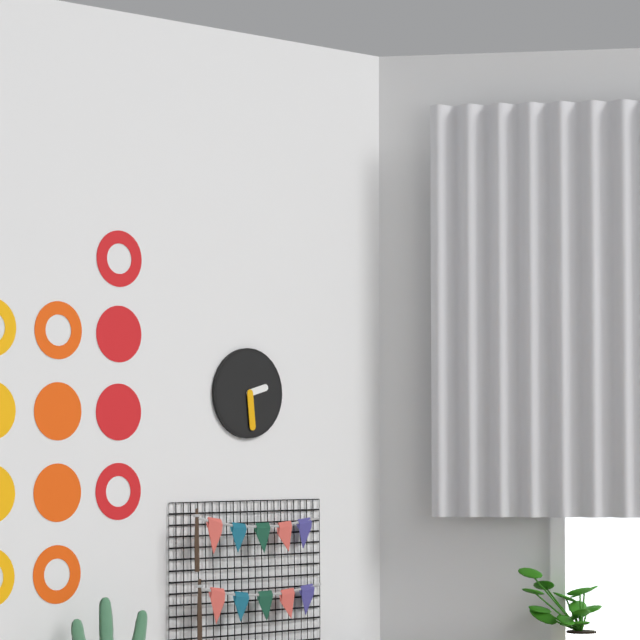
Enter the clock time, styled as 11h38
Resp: 2h29
